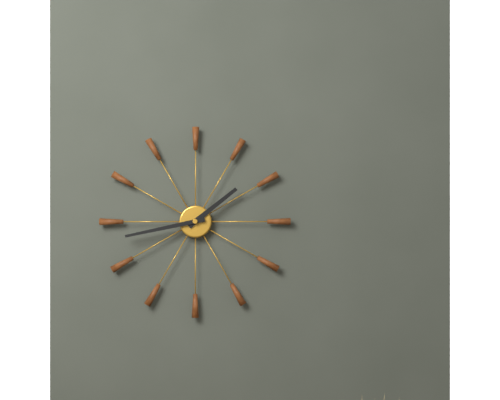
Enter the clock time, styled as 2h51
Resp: 1h43
